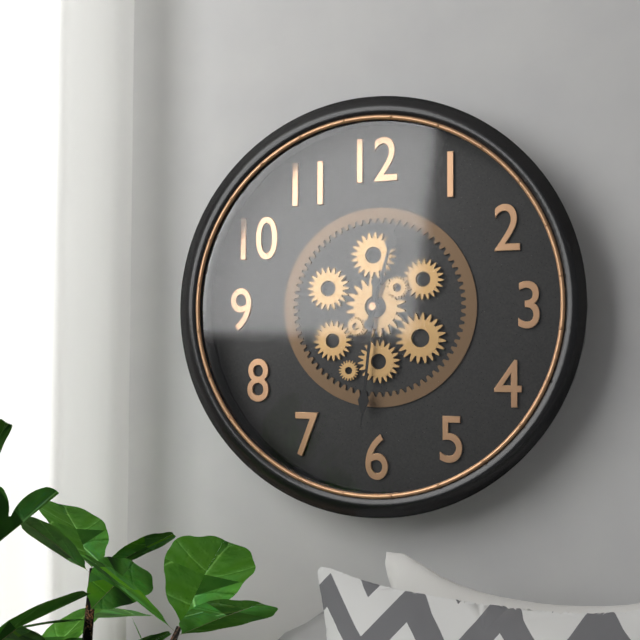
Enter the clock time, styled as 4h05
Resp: 12h31
